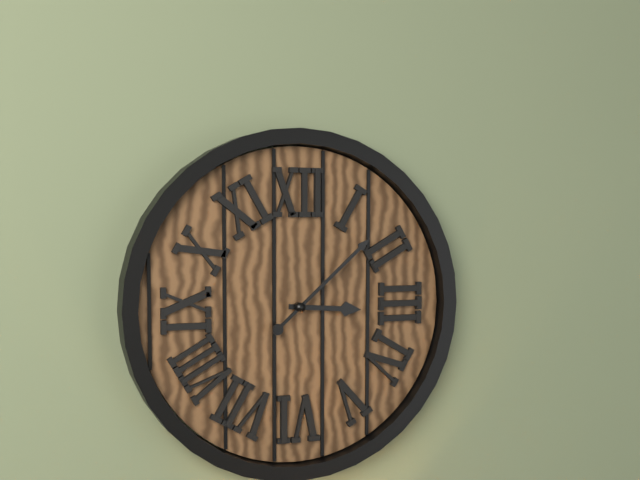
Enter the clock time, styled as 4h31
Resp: 3h08
